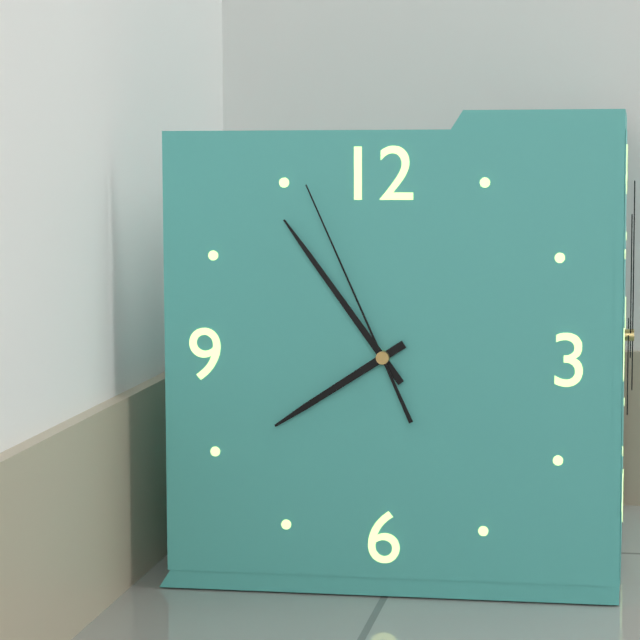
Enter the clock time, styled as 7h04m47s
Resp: 7h54m56s
